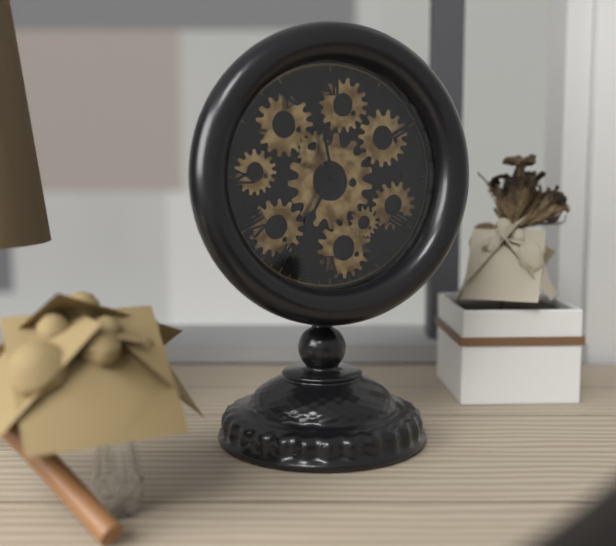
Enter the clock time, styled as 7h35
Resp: 6h58
